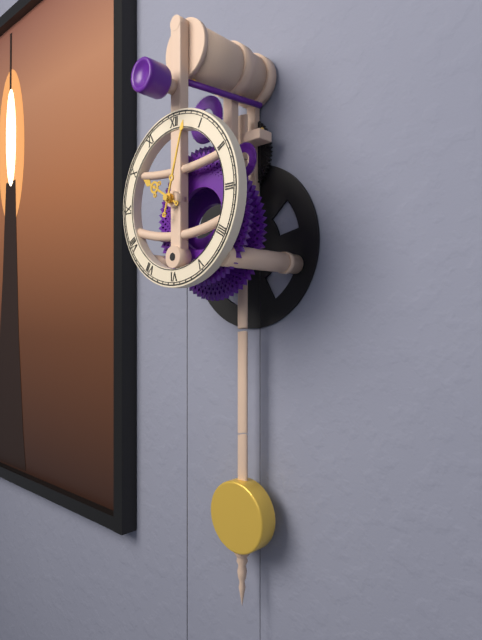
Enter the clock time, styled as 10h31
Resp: 10h03
